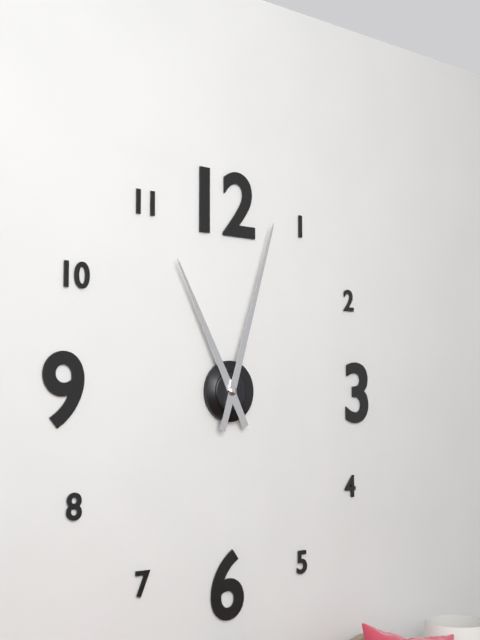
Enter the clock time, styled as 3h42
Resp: 11h03
